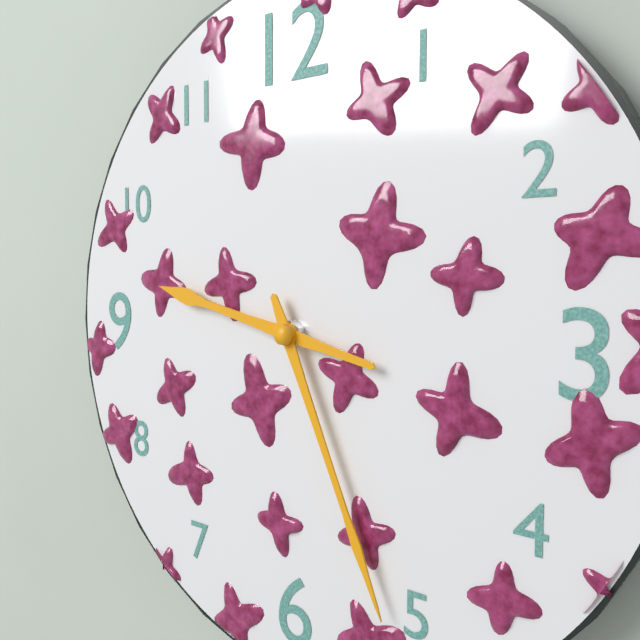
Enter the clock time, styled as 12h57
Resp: 9h26
